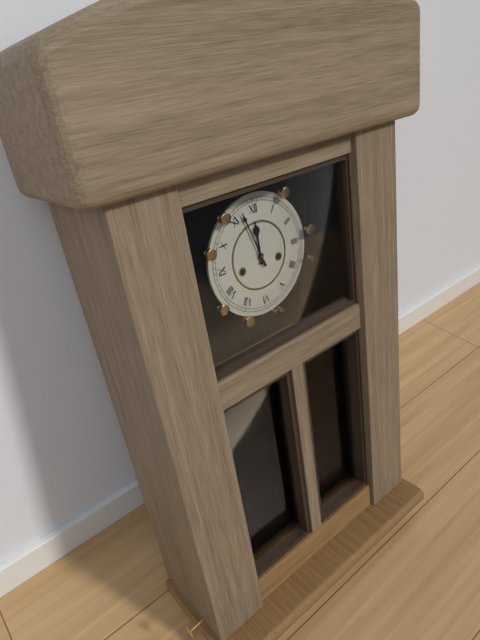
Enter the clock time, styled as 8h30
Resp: 11h57
